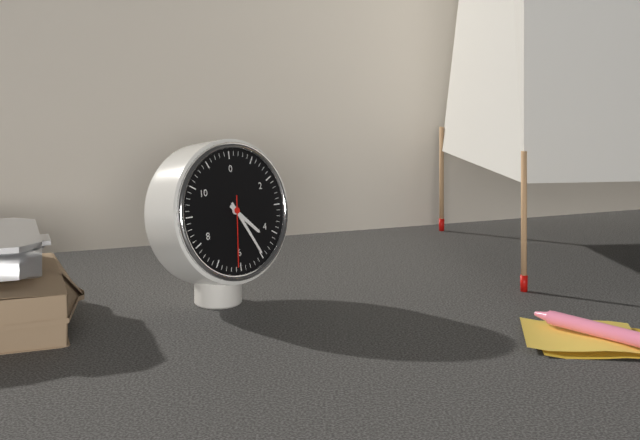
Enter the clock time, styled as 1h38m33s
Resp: 4h25m31s
